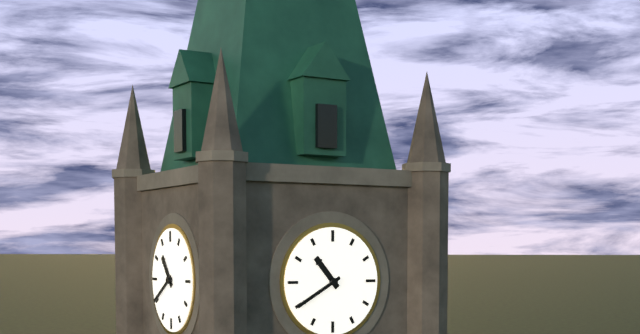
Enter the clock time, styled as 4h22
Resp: 10h40
